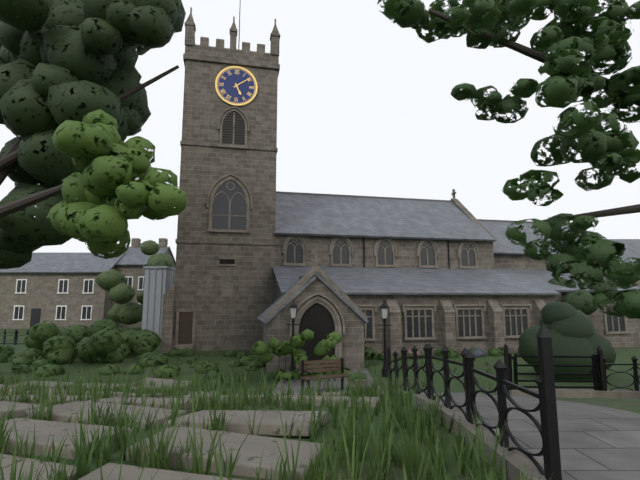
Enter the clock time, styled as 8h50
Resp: 5h09
